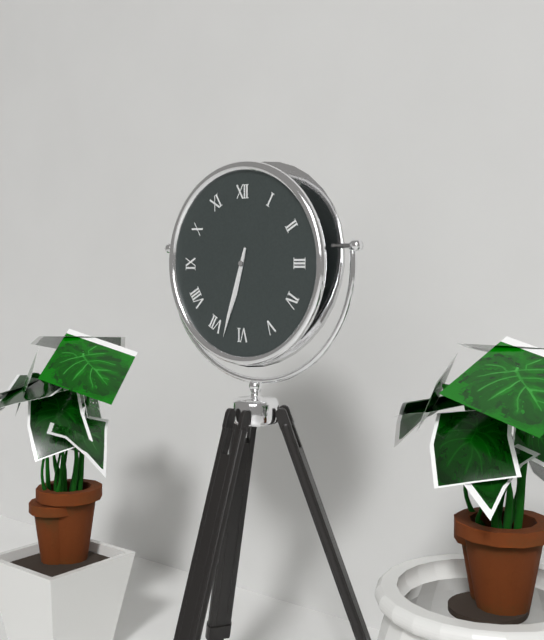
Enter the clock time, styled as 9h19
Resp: 6h33
